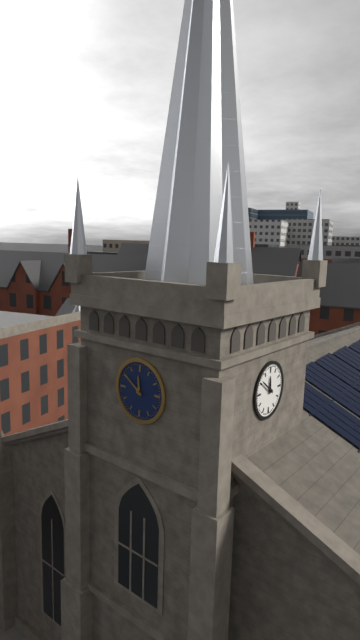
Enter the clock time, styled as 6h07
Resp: 11h51
